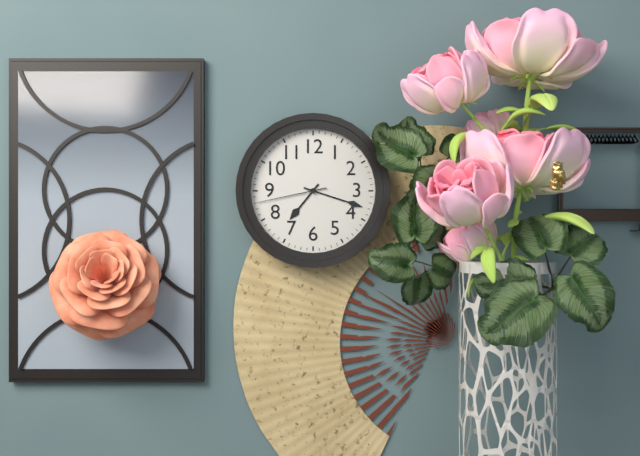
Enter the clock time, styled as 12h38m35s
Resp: 7h18m43s
